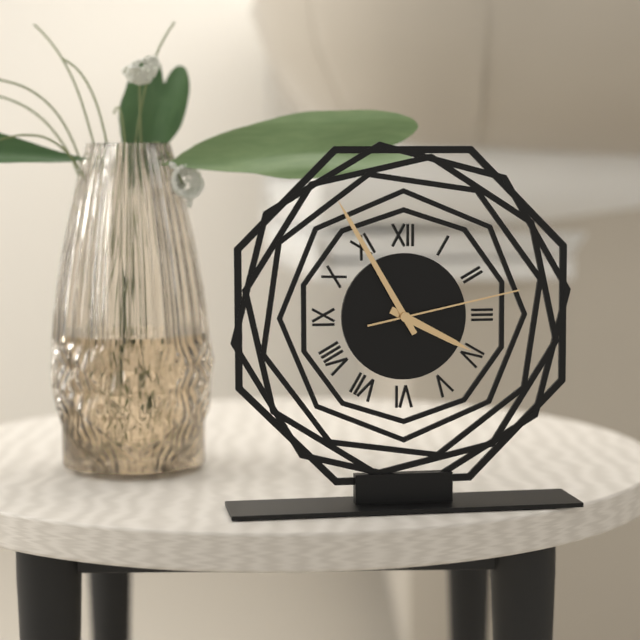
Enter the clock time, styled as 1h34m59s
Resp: 3h55m13s
